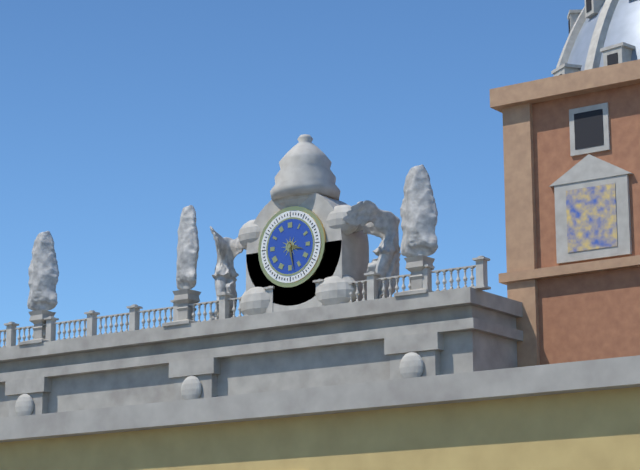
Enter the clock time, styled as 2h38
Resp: 3h28
